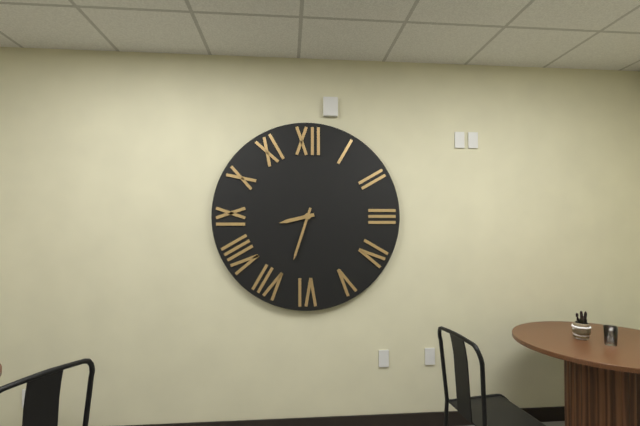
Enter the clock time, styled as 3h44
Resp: 8h33
